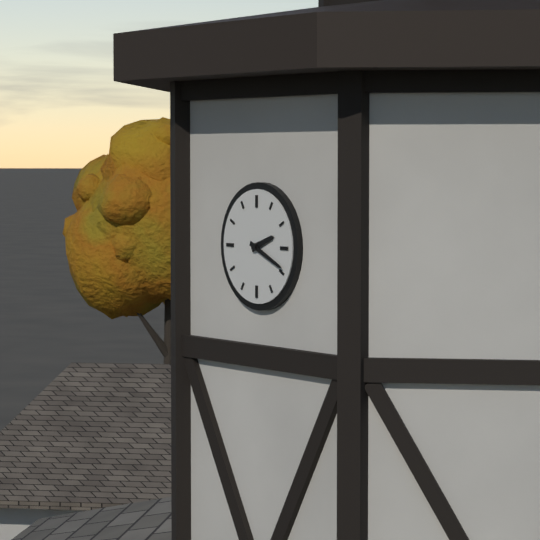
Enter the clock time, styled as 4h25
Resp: 2h19
